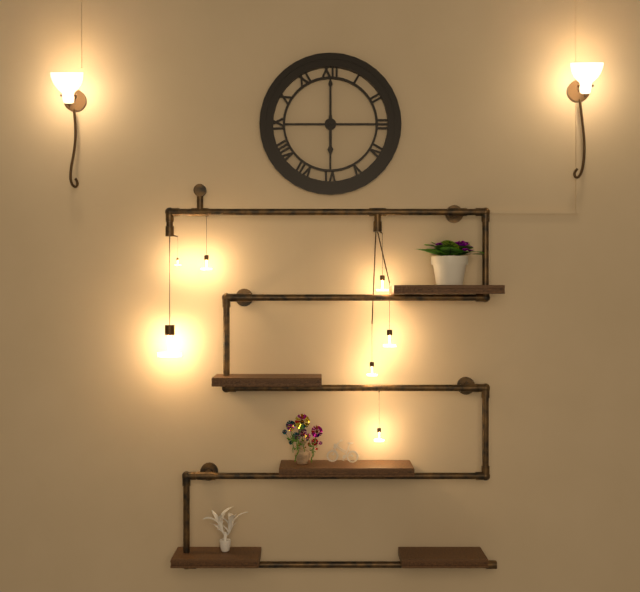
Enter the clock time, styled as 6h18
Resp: 6h00
